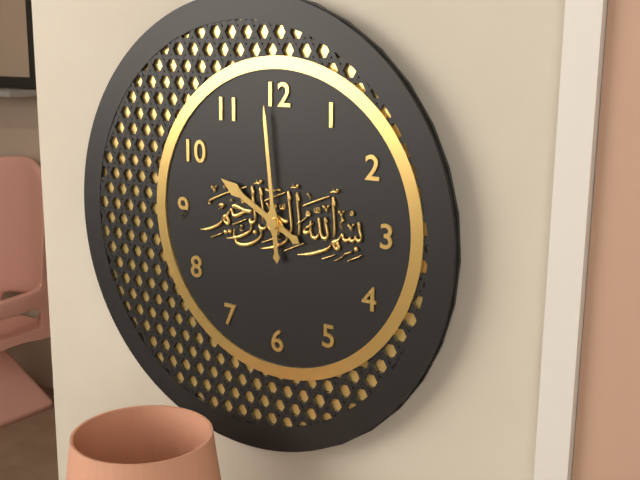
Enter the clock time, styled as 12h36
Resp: 9h59
